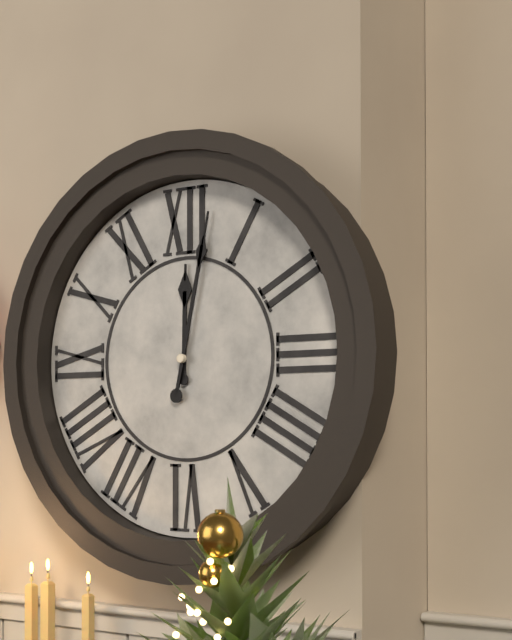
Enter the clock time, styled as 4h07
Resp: 12h02
